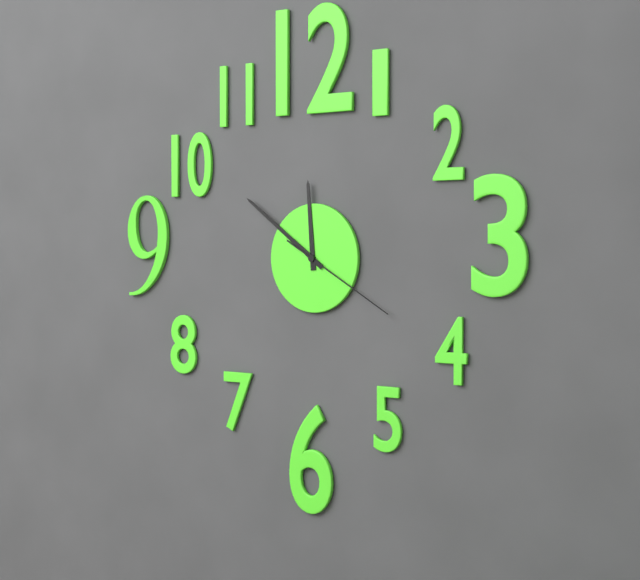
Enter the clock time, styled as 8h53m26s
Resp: 11h51m20s
